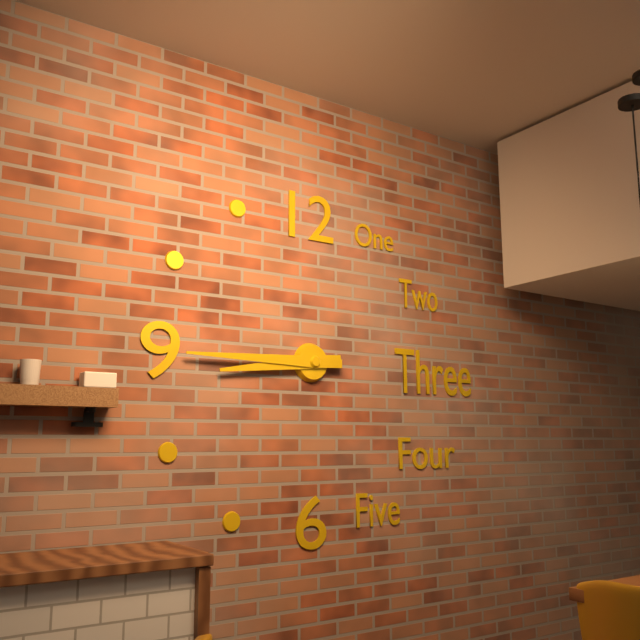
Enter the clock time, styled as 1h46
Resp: 8h45
